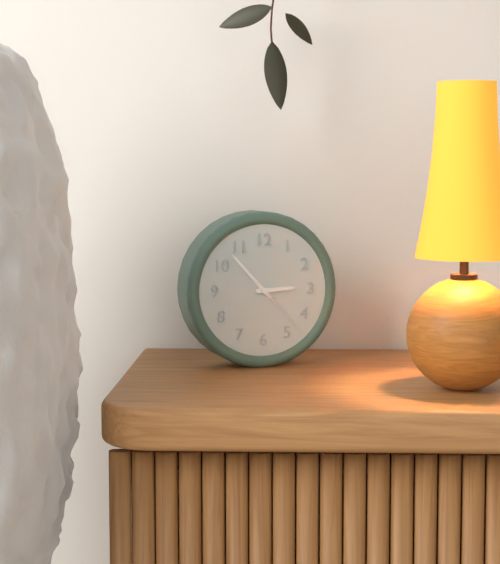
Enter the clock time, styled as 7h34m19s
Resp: 2h53m23s
